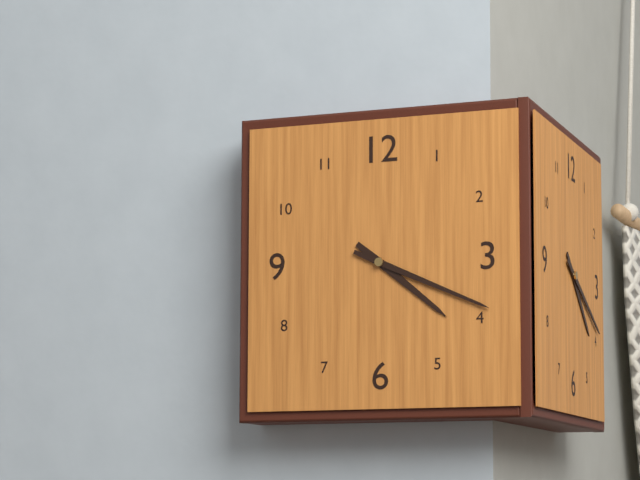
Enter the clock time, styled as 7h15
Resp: 4h19
